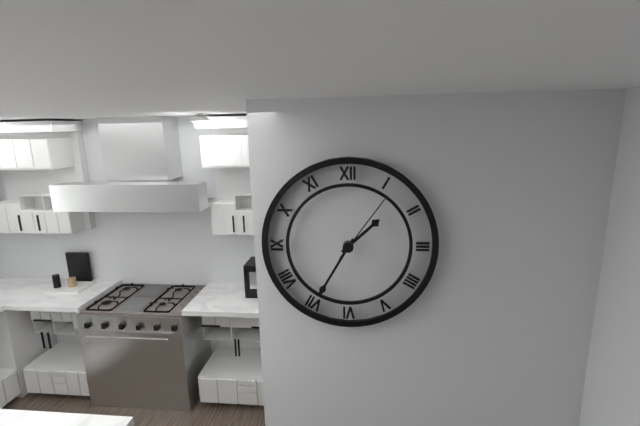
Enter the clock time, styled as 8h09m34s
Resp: 1h35m06s
